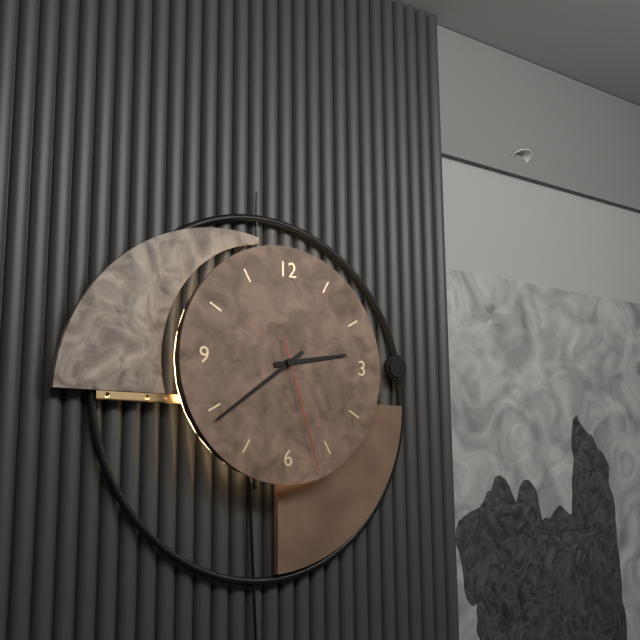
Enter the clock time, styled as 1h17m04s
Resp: 2h39m27s
